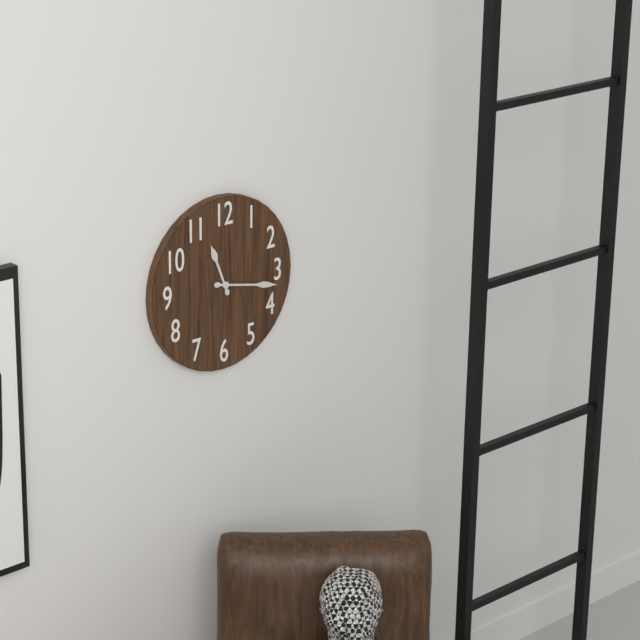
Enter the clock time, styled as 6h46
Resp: 11h17
